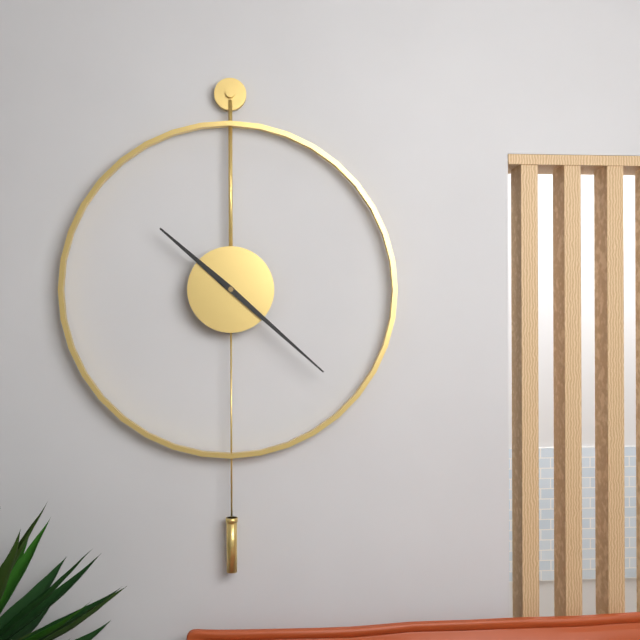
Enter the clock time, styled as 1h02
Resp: 10h22
